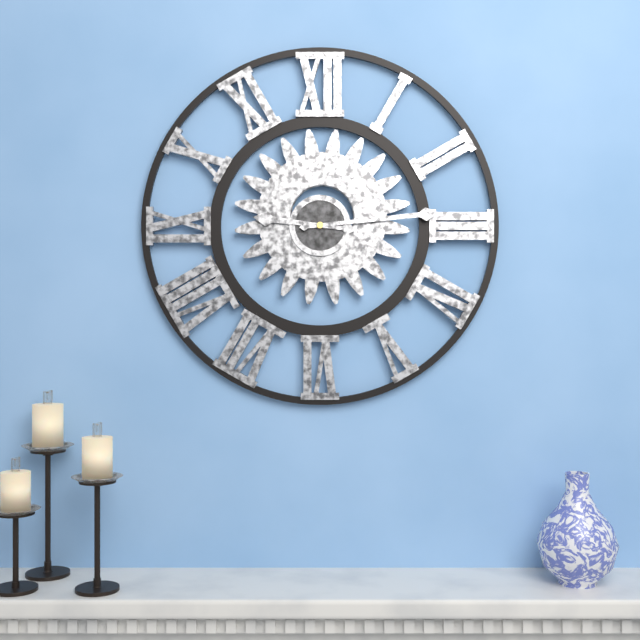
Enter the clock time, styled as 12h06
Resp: 9h14
